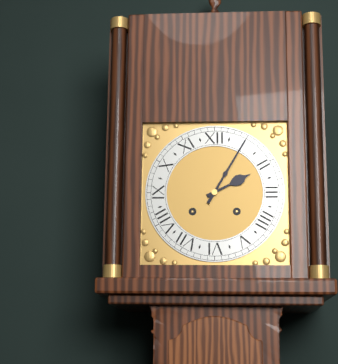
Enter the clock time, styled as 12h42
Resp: 2h05
